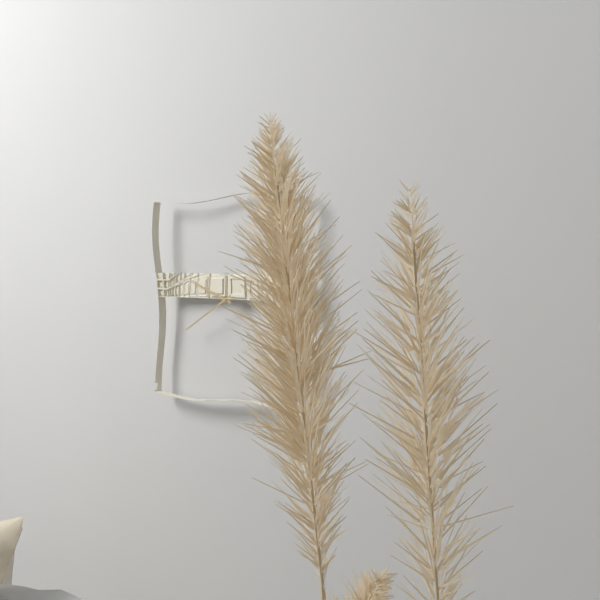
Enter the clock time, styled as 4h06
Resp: 9h40
